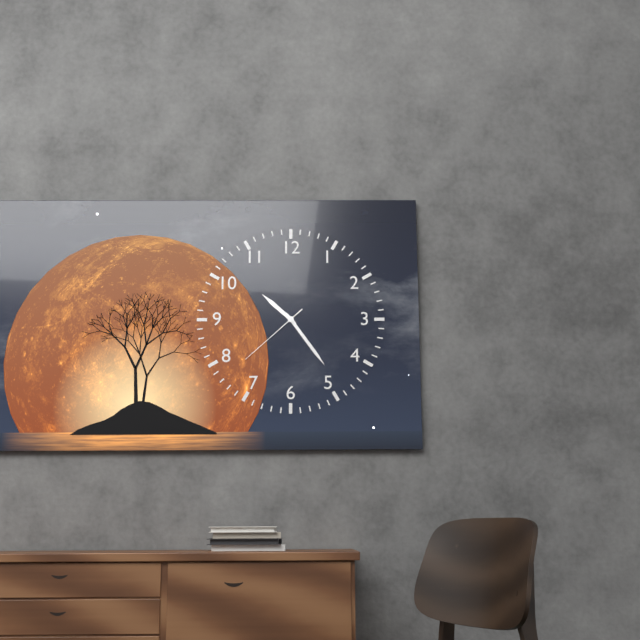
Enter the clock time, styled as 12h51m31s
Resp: 10h24m38s
